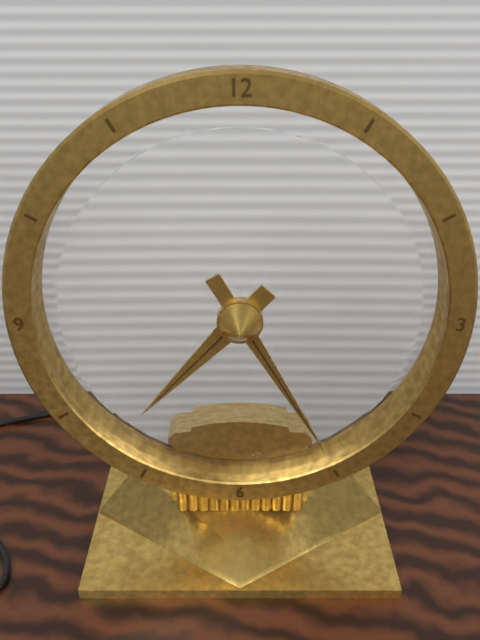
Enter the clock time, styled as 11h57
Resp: 7h25
